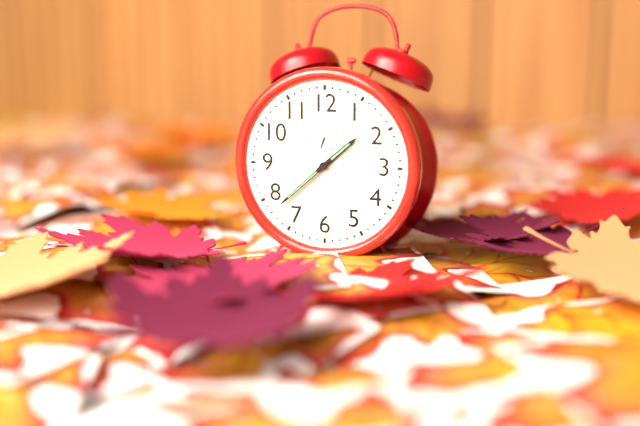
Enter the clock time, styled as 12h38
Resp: 1h38
